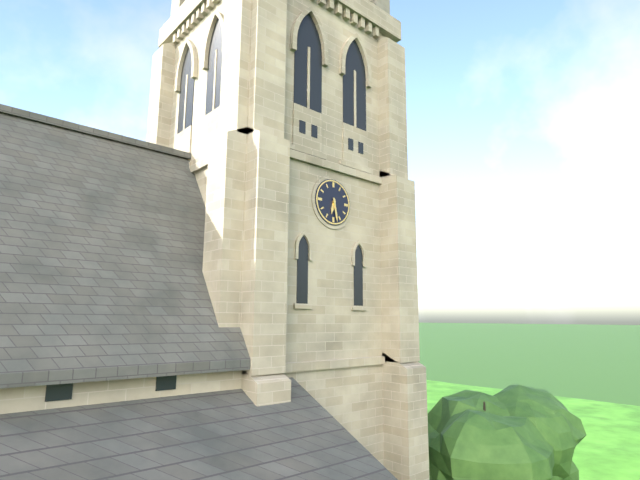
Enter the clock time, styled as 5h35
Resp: 6h28
